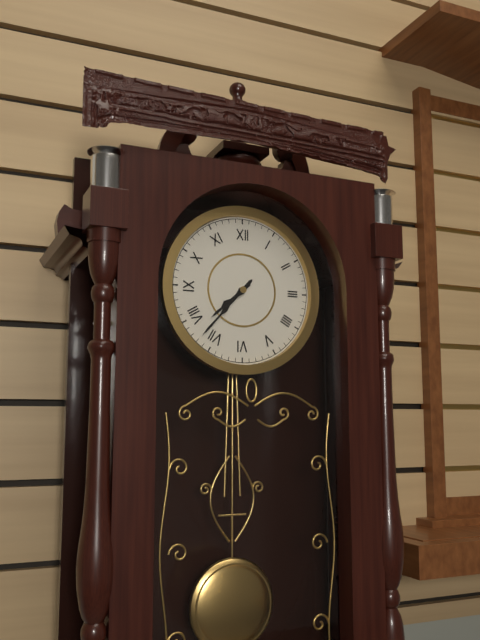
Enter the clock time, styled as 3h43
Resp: 7h37
